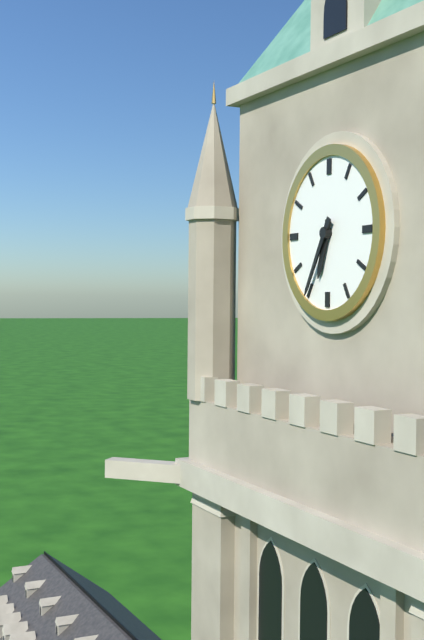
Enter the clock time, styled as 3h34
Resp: 6h35
